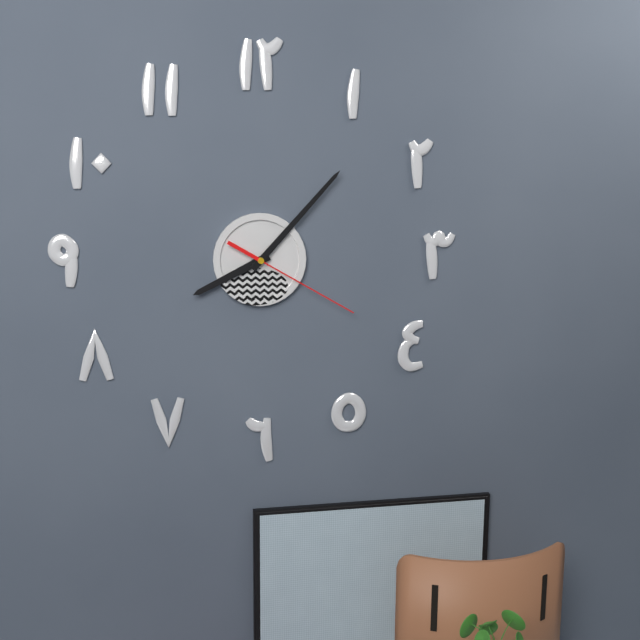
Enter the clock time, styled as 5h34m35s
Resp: 8h07m20s
